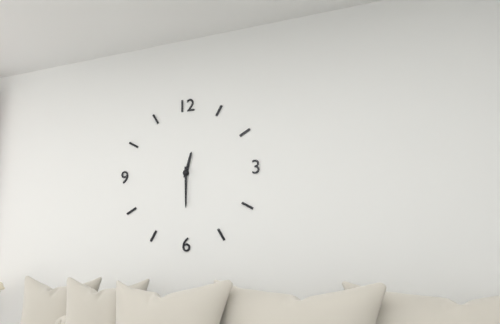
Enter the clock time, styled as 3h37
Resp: 12h30
